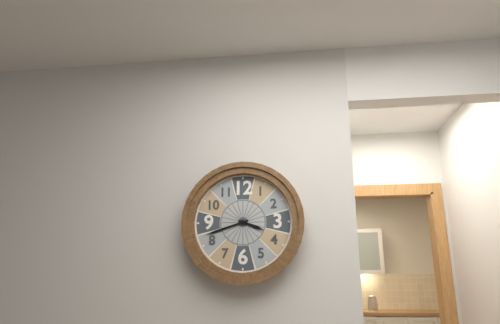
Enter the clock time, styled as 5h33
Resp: 3h42
